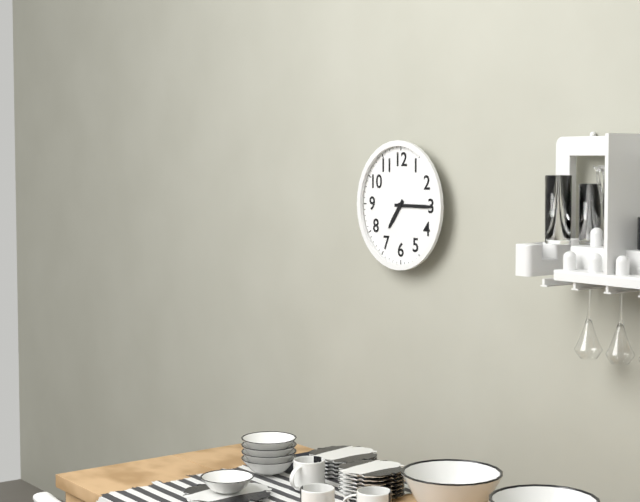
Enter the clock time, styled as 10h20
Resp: 7h15
